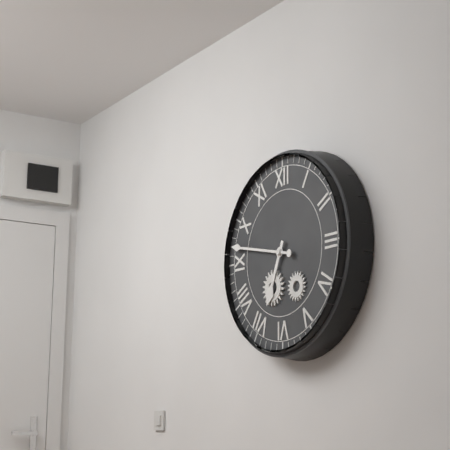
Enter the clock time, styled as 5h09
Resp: 6h47
